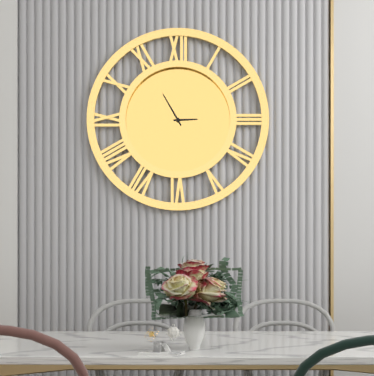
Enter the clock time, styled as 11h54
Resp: 2h55
